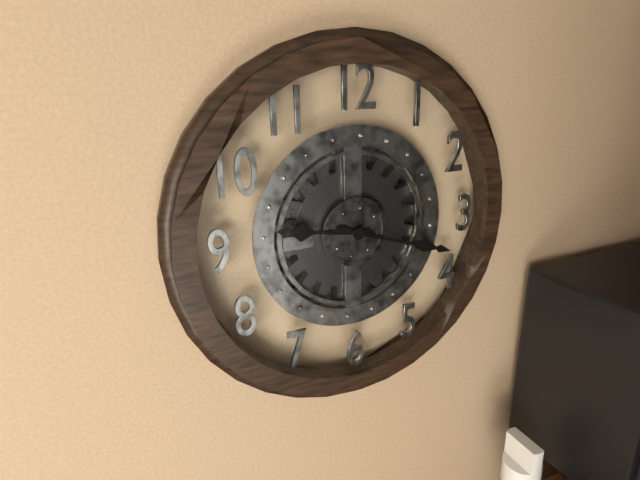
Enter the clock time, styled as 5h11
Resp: 9h18
